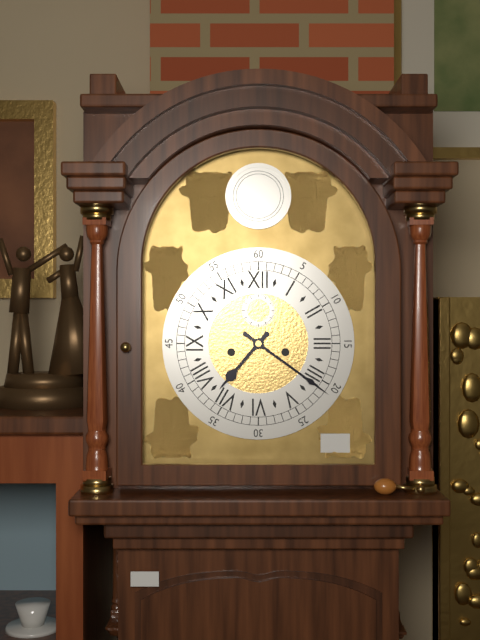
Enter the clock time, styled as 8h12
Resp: 7h21
